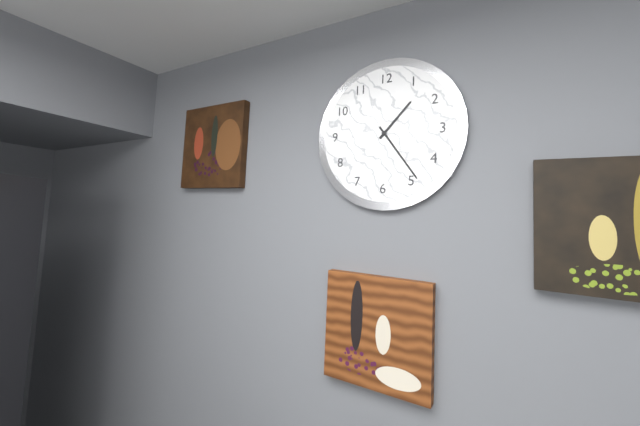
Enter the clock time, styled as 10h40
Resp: 1h24
